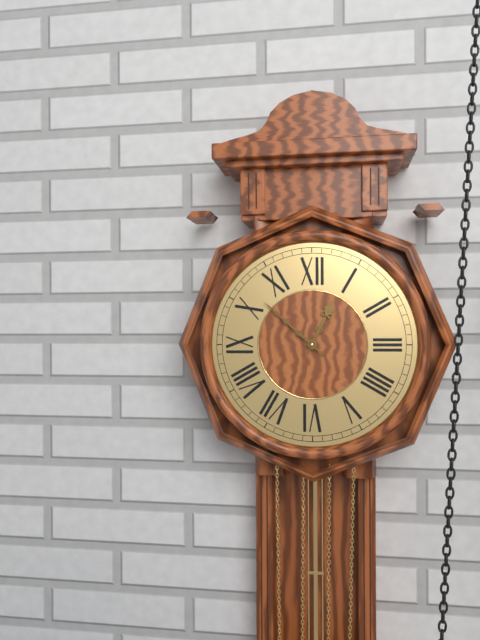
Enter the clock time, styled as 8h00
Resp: 12h52
